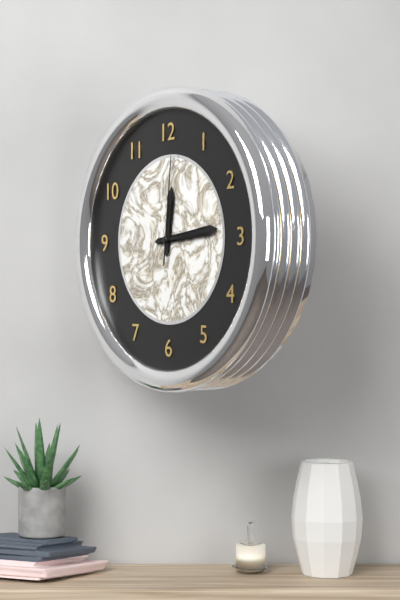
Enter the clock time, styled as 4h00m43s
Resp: 12h14m01s
